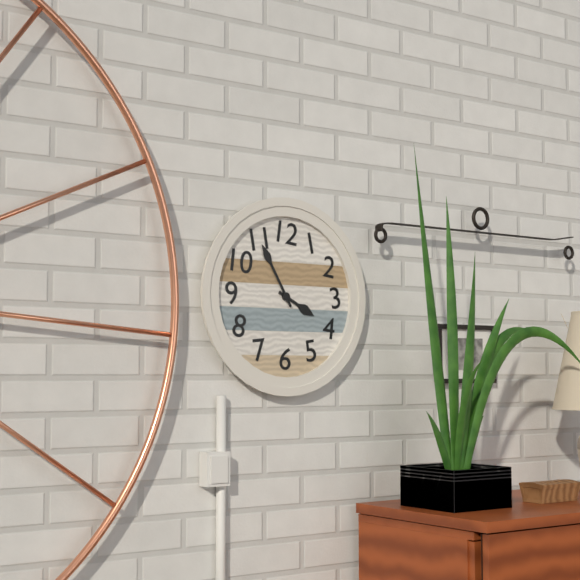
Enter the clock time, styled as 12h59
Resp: 3h55
